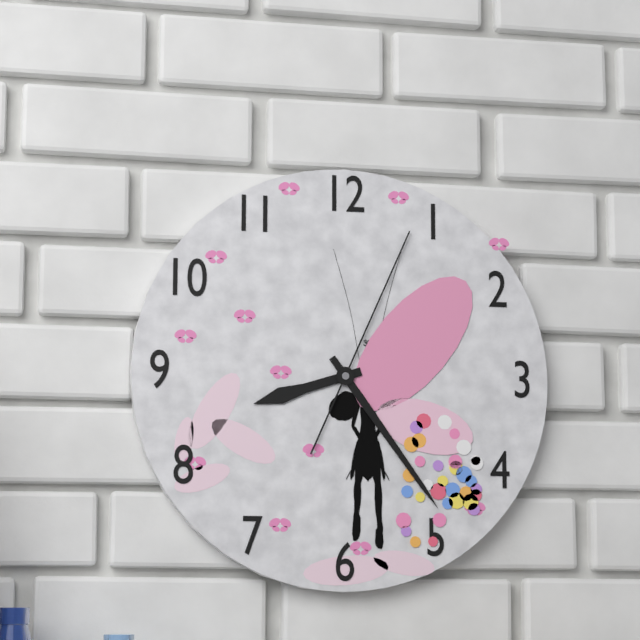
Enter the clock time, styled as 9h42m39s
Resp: 8h24m04s
